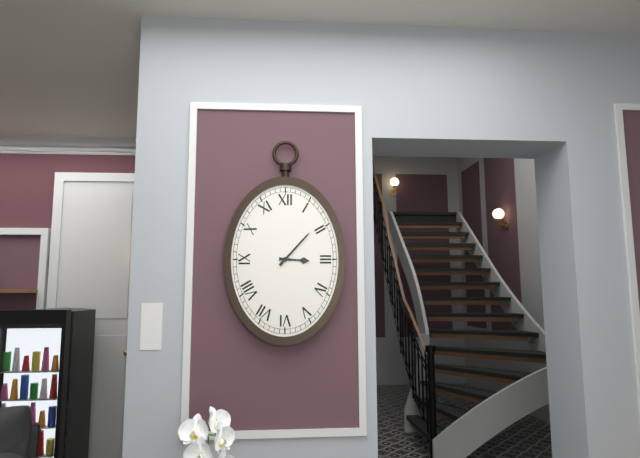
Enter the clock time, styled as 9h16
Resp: 3h07
